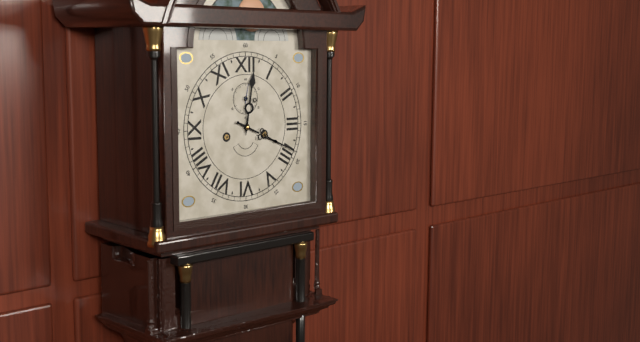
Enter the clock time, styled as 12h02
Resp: 12h19
